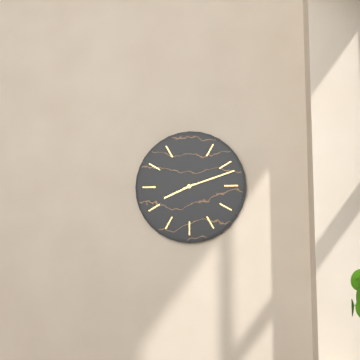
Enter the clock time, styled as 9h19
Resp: 8h12
